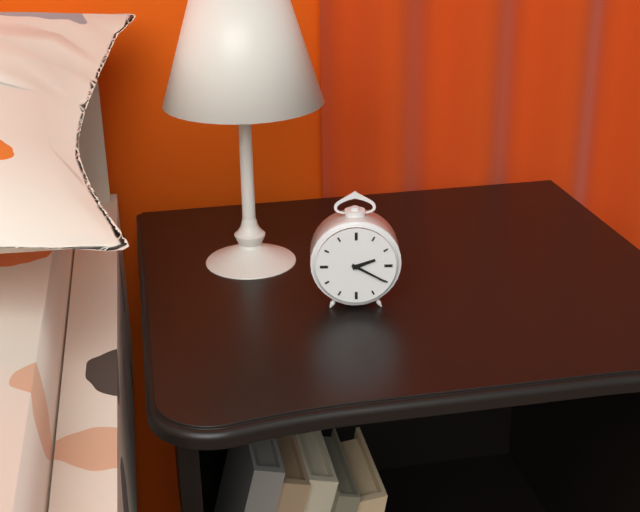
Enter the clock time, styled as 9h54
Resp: 2h20
